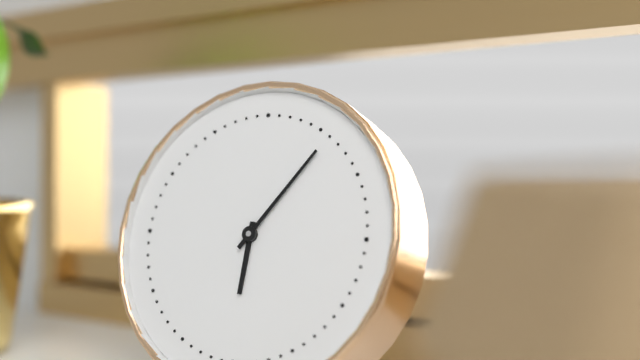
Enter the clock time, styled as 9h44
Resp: 6h06
